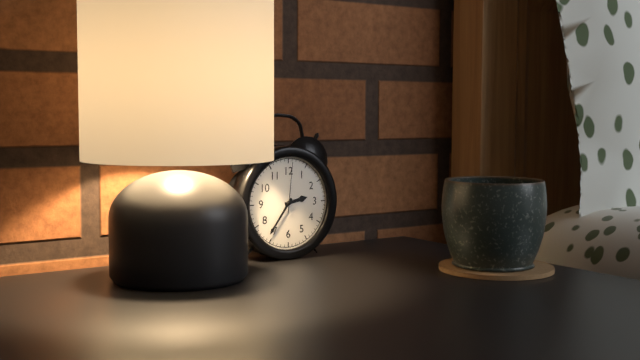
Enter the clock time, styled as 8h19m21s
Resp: 2h36m01s
